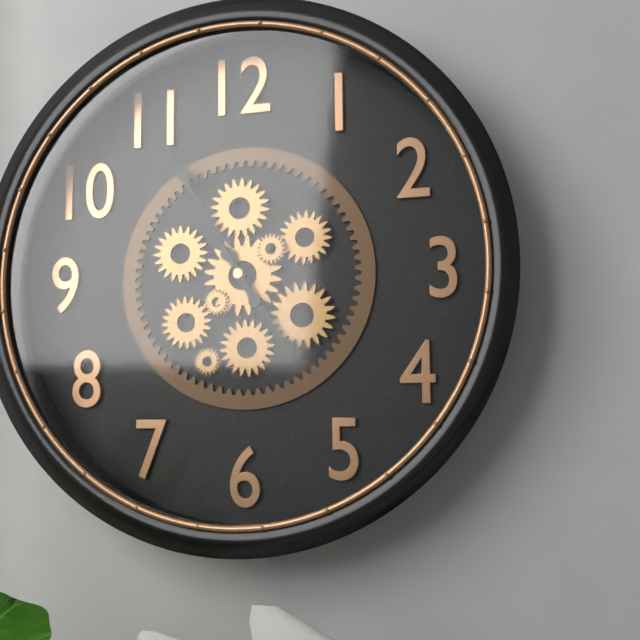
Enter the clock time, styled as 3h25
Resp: 4h55
